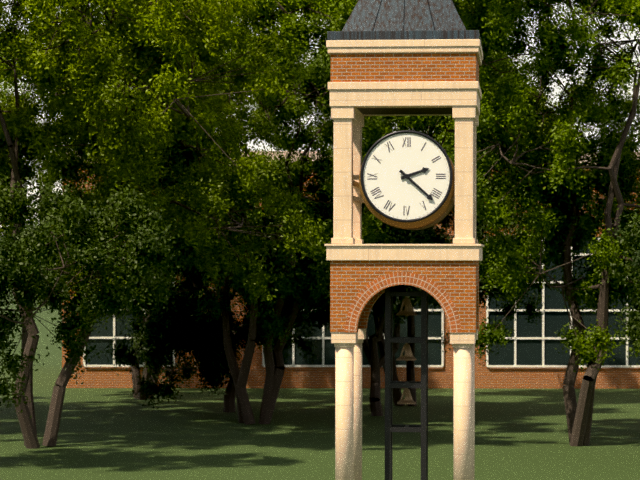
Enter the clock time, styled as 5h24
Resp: 2h22
